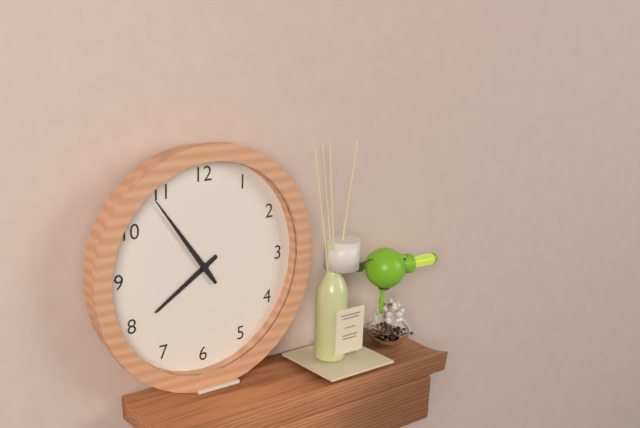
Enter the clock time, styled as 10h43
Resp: 7h54
